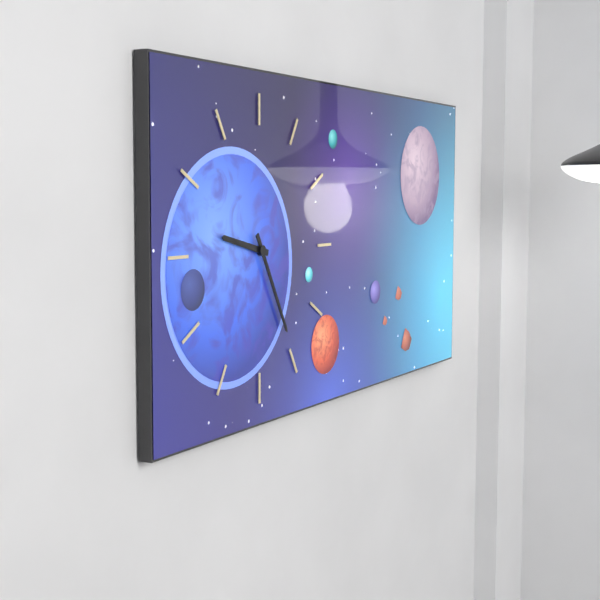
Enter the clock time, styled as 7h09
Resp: 9h25
